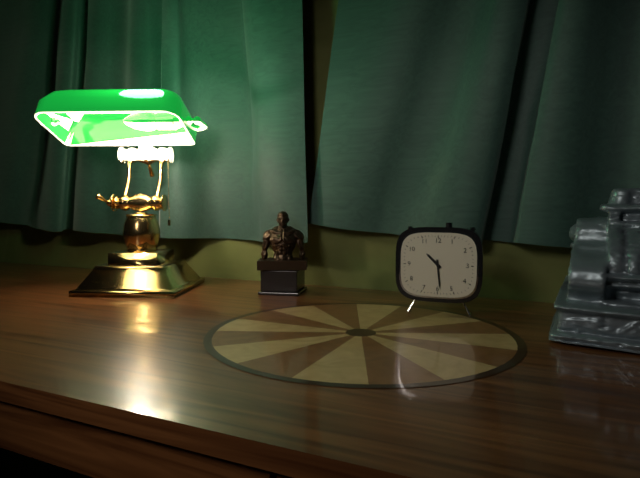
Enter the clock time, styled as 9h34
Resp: 10h29
